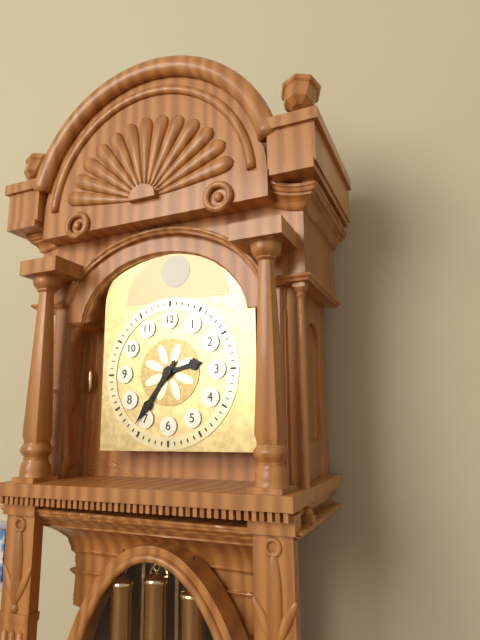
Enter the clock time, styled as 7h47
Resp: 2h36
